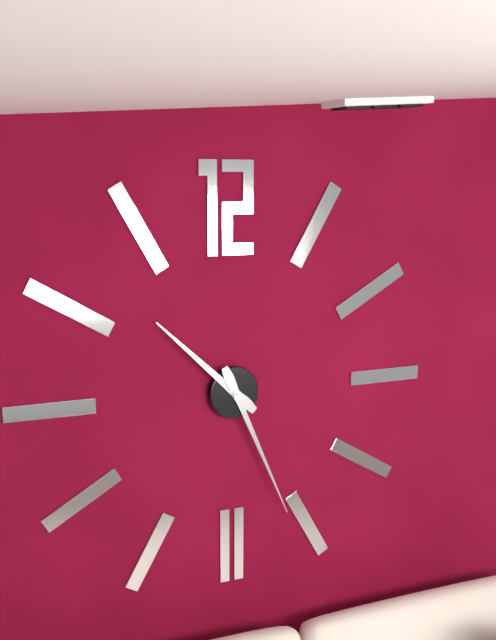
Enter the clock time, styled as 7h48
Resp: 10h26
